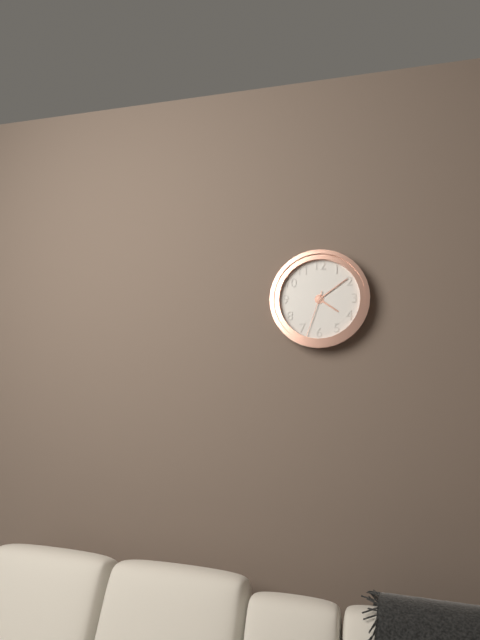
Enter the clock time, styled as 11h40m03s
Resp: 4h09m33s
